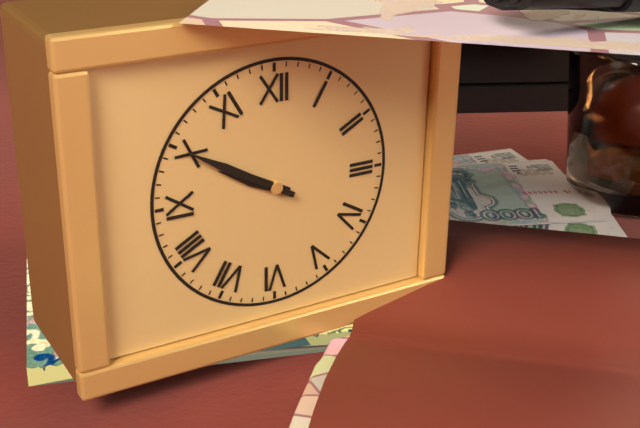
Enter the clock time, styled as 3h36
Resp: 9h50
